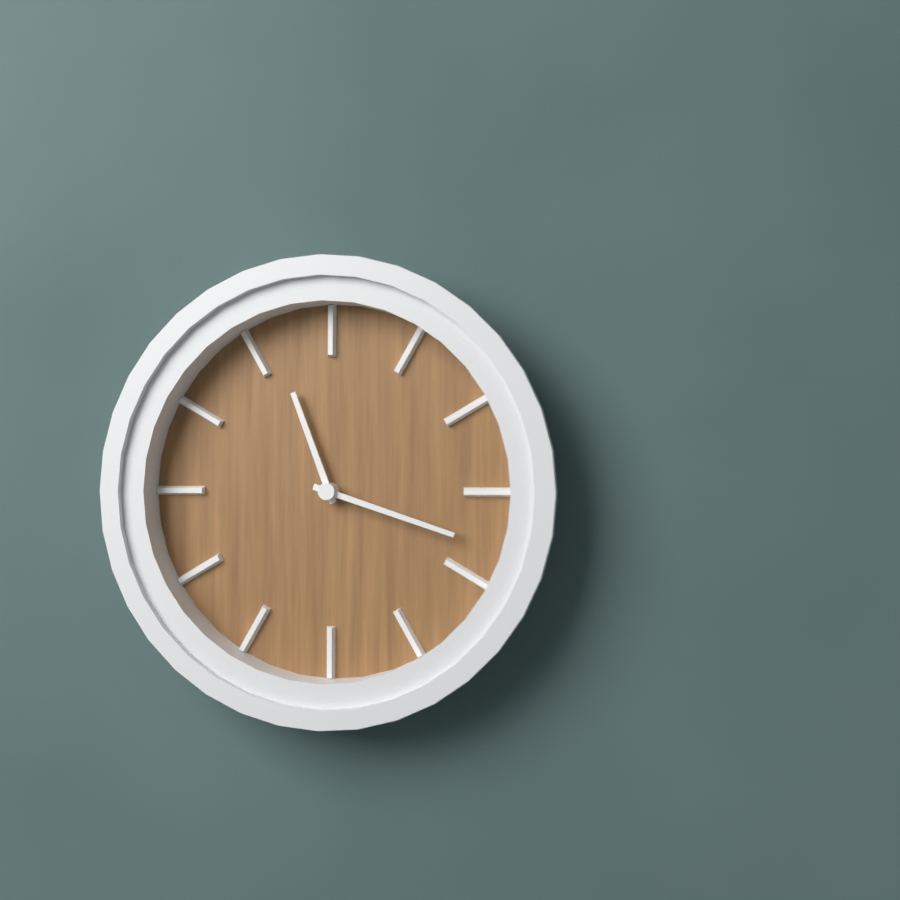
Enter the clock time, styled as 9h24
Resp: 11h18
